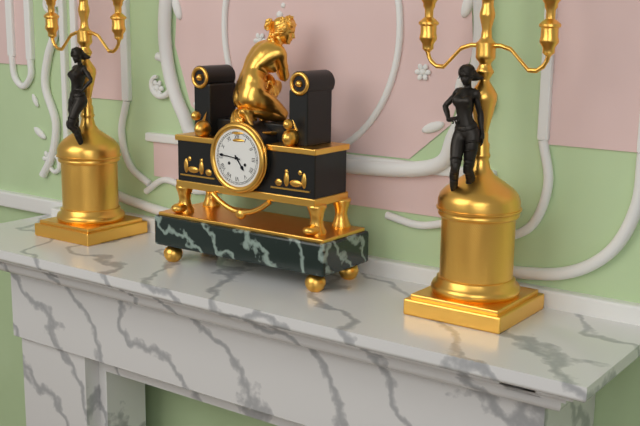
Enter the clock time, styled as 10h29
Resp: 4h46
